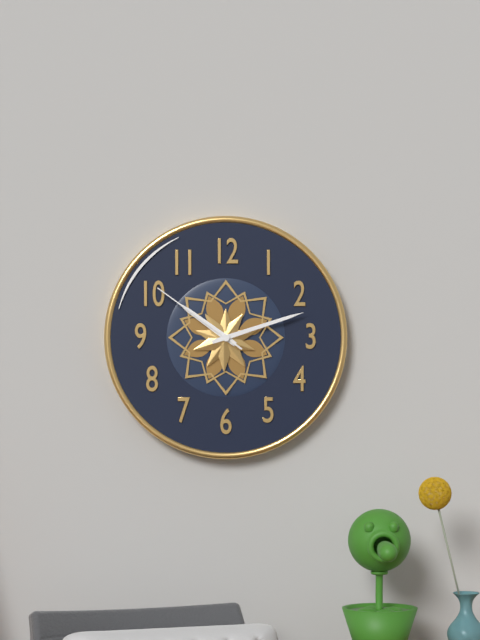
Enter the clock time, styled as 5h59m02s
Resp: 10h12m51s
